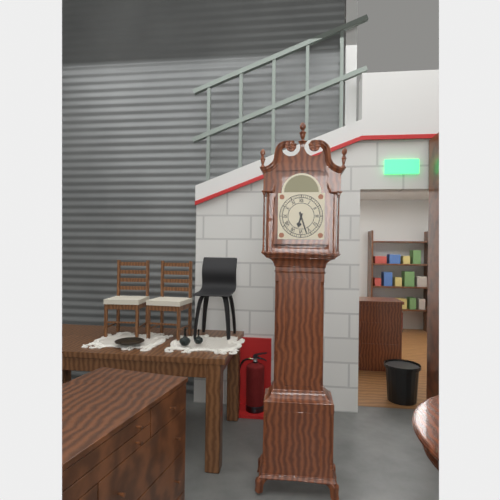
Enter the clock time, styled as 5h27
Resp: 6h27
